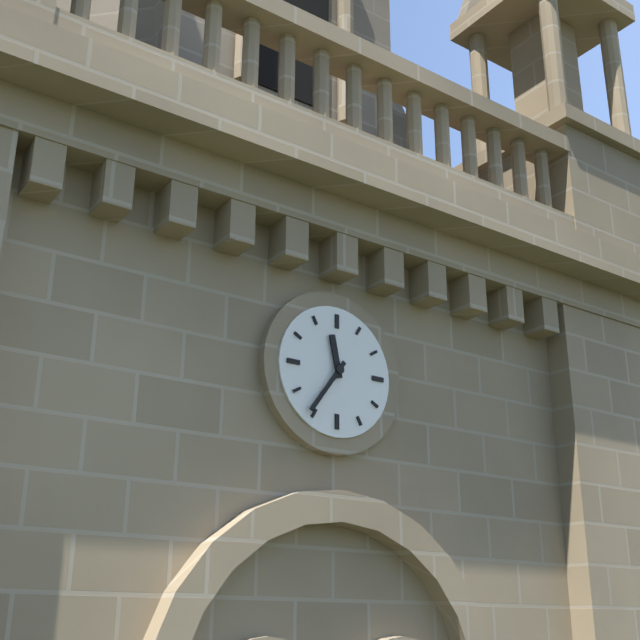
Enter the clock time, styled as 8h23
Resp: 11h36
